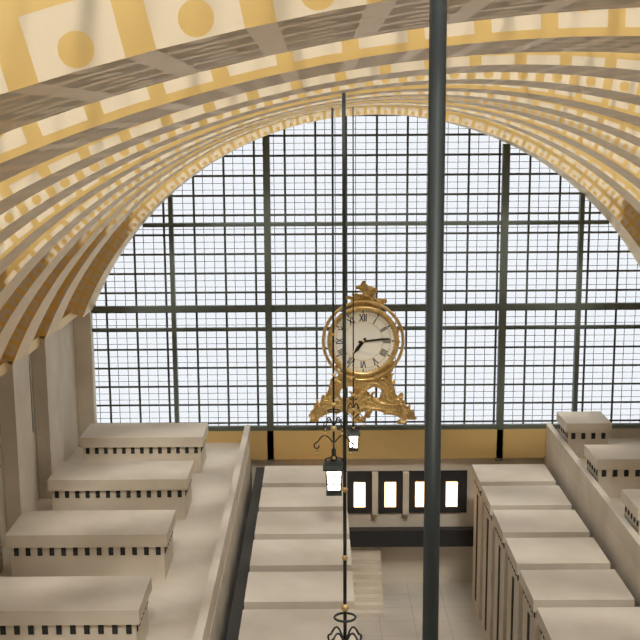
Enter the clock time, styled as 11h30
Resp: 7h14
